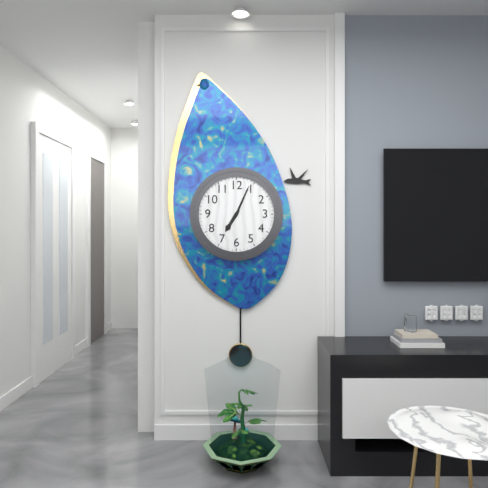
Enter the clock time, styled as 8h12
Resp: 7h04
